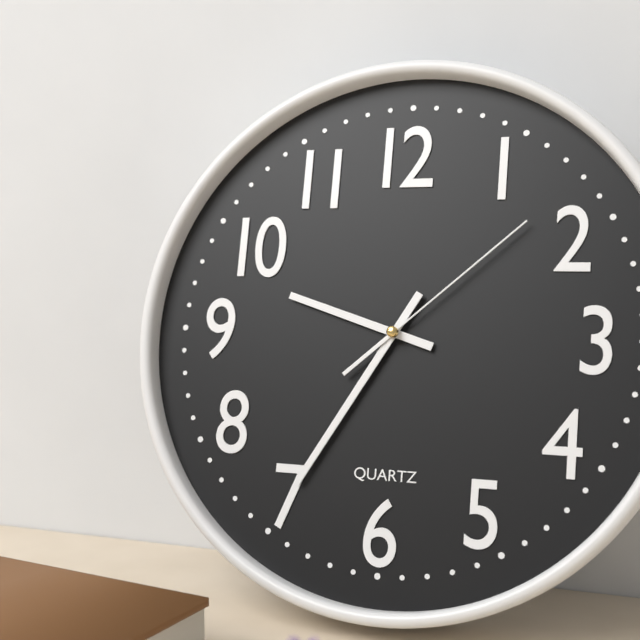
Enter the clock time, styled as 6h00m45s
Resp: 9h35m08s
